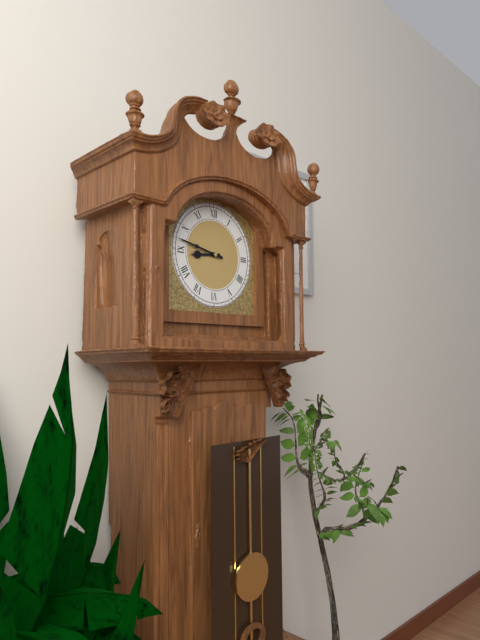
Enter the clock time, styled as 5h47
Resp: 8h47
